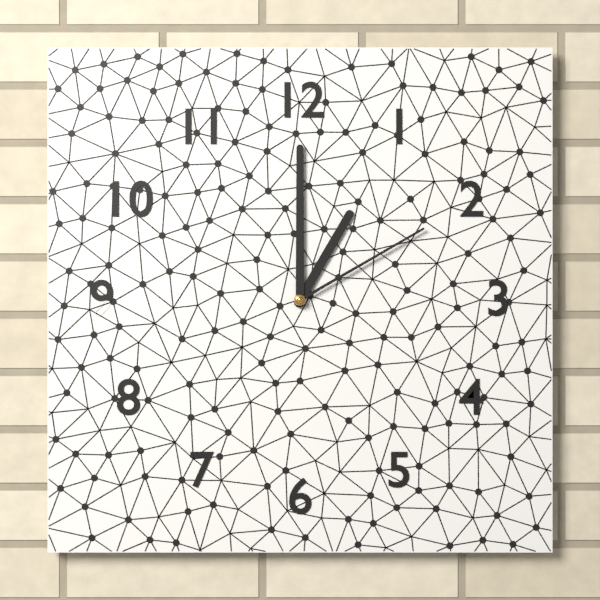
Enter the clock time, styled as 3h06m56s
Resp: 1h00m10s
